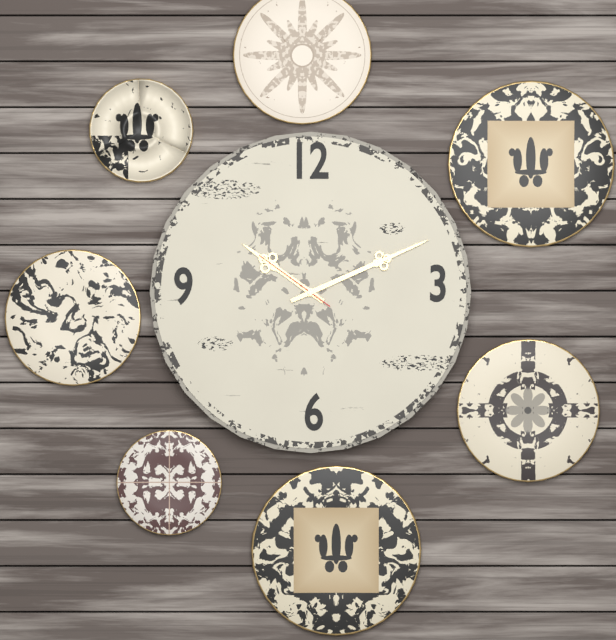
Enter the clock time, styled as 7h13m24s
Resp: 10h11m51s
